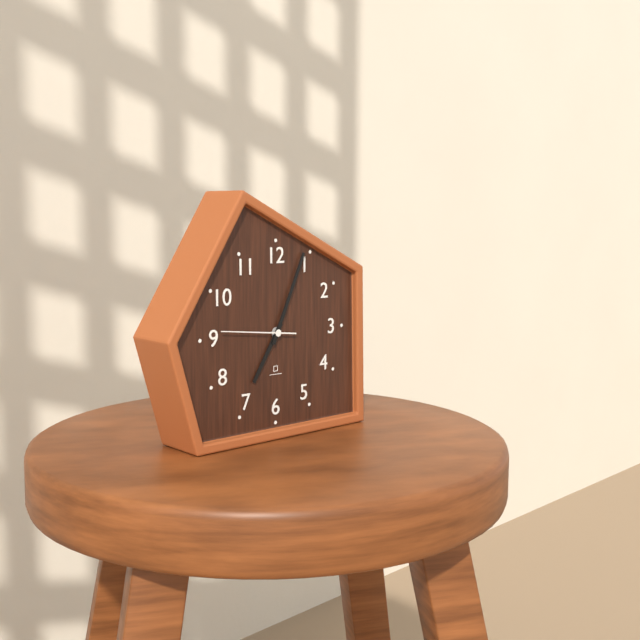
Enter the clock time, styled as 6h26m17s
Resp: 7h04m46s
